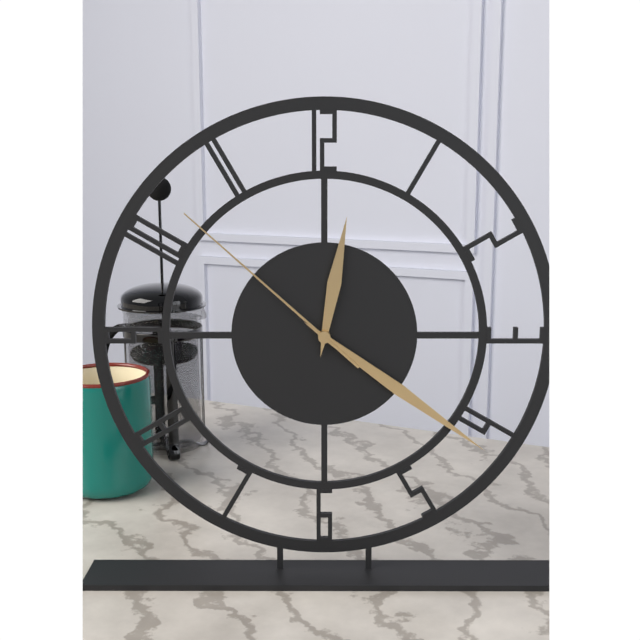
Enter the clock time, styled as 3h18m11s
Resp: 12h21m52s
